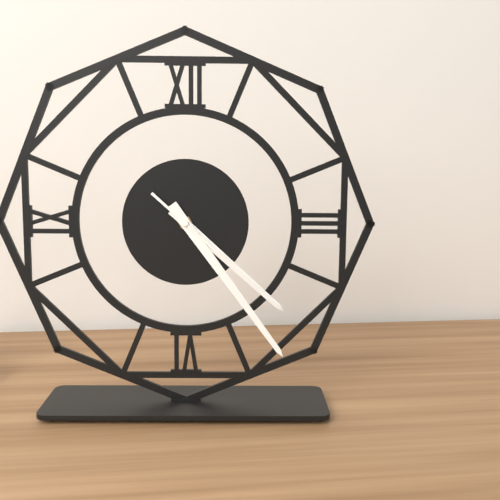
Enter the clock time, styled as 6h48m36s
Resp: 4h24m22s
